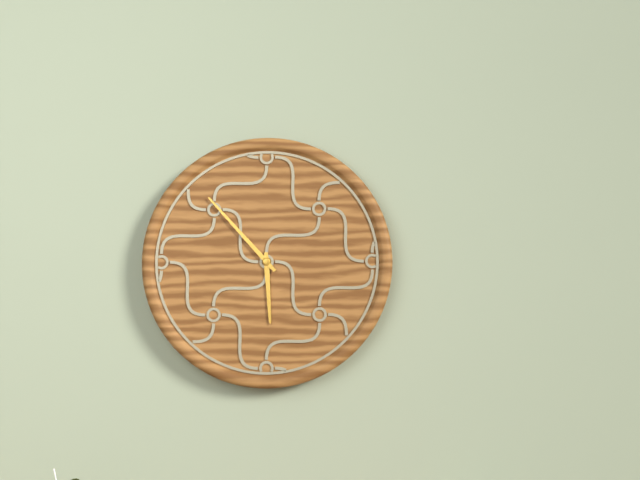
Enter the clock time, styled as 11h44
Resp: 5h53
